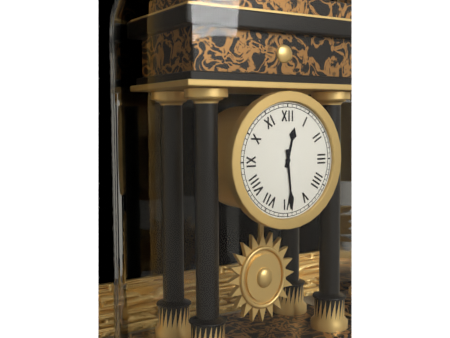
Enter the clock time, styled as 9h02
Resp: 12h29
